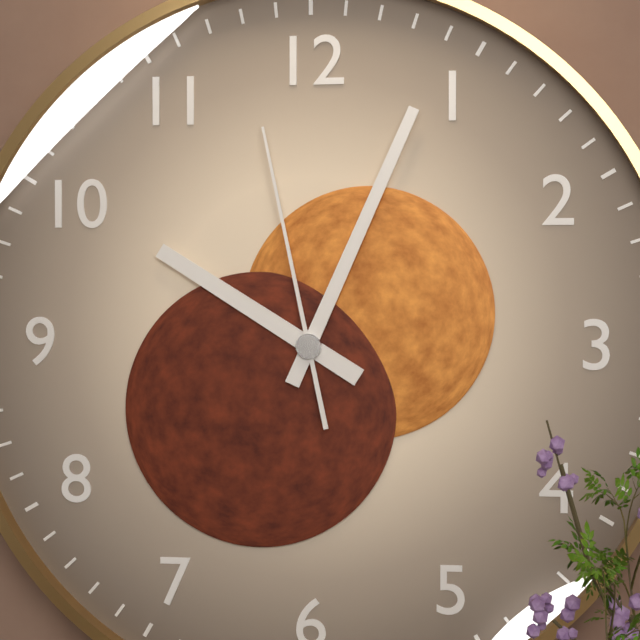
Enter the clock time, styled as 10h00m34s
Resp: 10h04m58s
